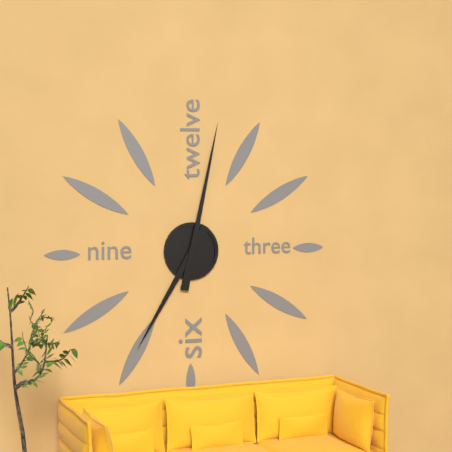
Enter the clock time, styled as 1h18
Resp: 7h02
